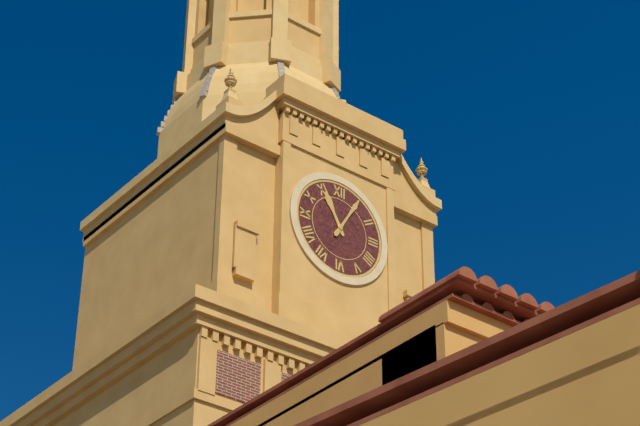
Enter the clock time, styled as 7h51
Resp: 11h05
